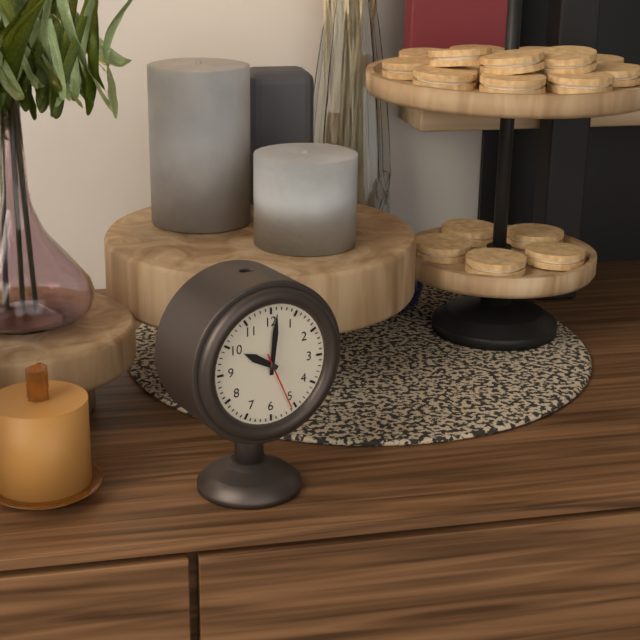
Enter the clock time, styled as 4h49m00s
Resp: 10h01m26s
